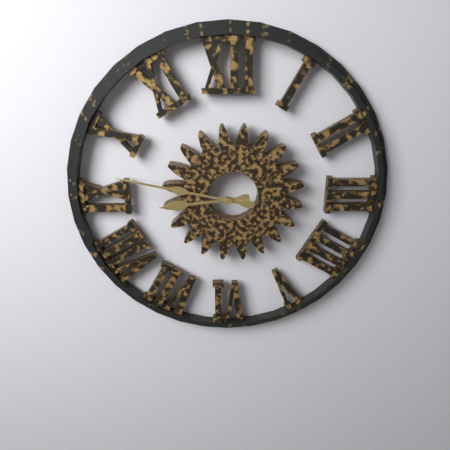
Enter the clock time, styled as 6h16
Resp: 8h47
